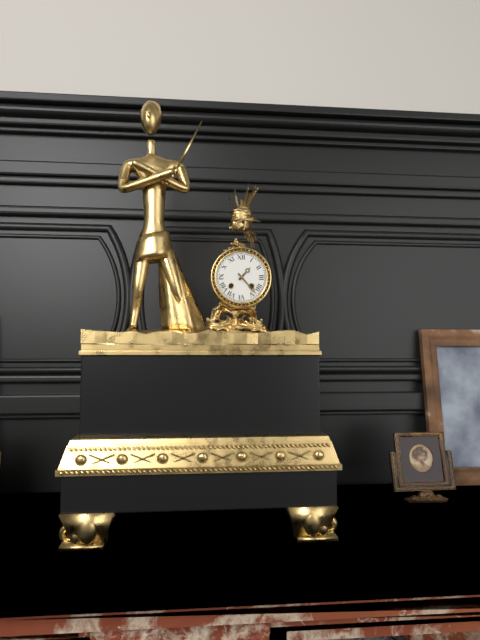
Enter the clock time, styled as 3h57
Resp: 1h23
